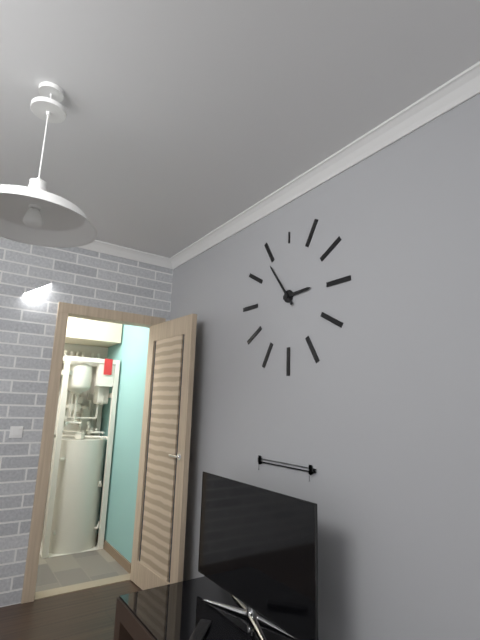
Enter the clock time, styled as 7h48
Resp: 2h54
